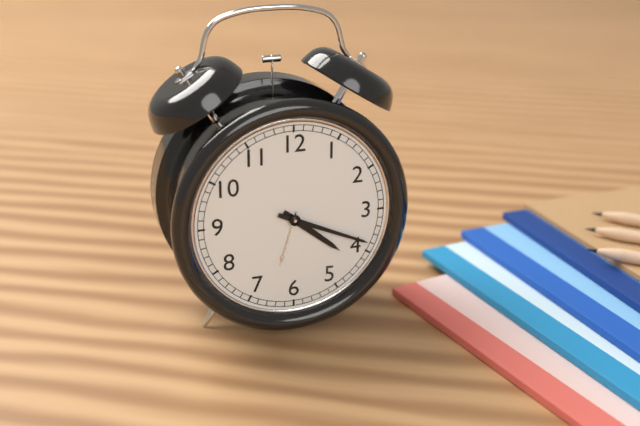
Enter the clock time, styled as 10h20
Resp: 4h19
